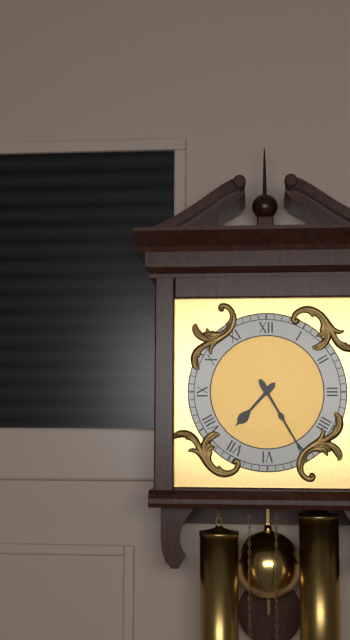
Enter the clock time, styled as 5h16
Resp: 7h25
